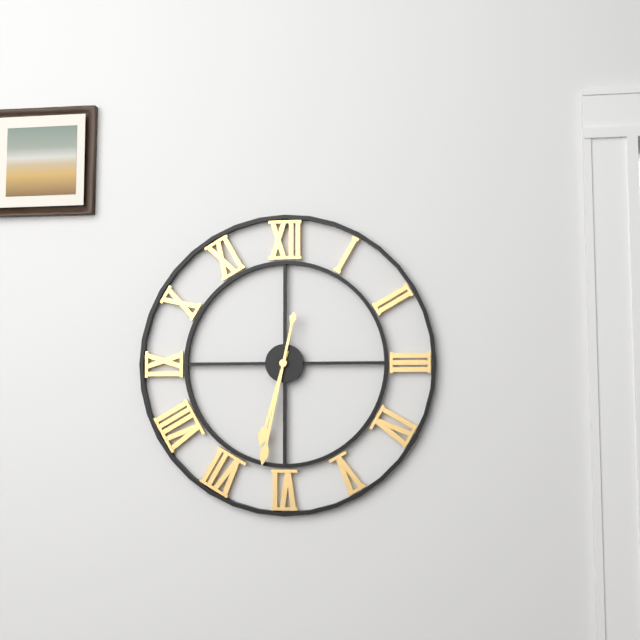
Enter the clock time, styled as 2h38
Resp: 6h32
